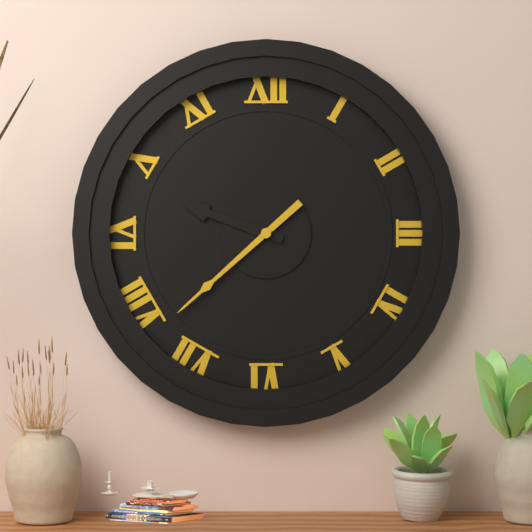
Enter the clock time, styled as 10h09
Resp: 9h38
